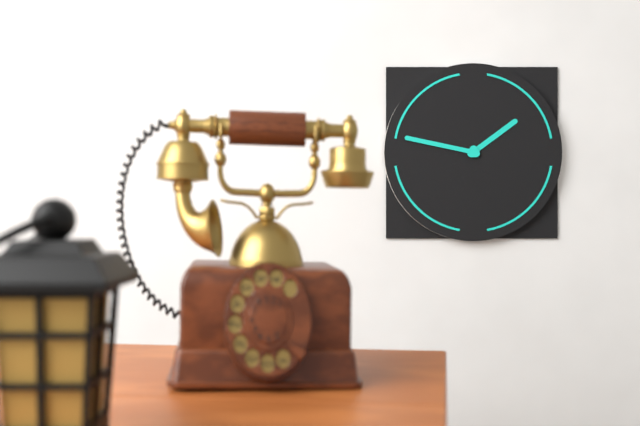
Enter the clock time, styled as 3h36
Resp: 1h47
